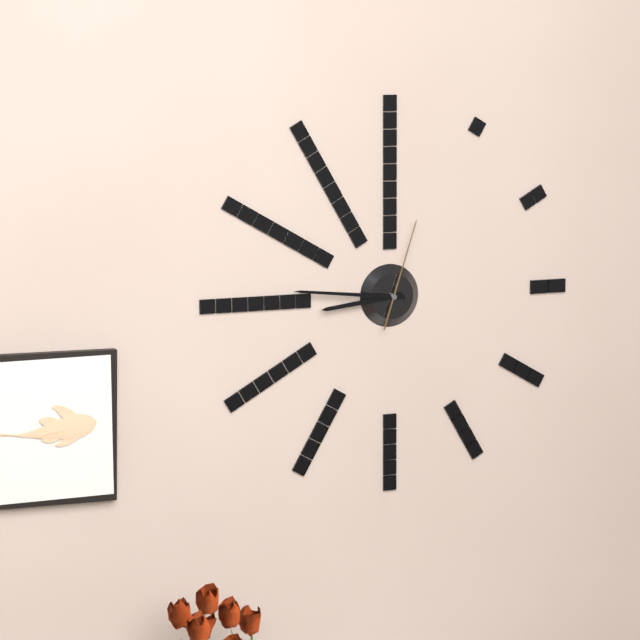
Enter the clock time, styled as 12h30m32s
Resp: 8h46m03s
